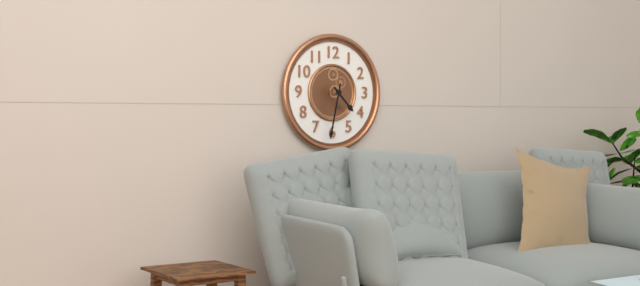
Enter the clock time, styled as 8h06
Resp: 4h32
